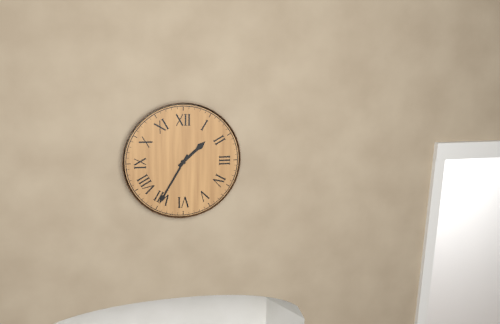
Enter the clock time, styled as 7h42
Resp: 1h35
